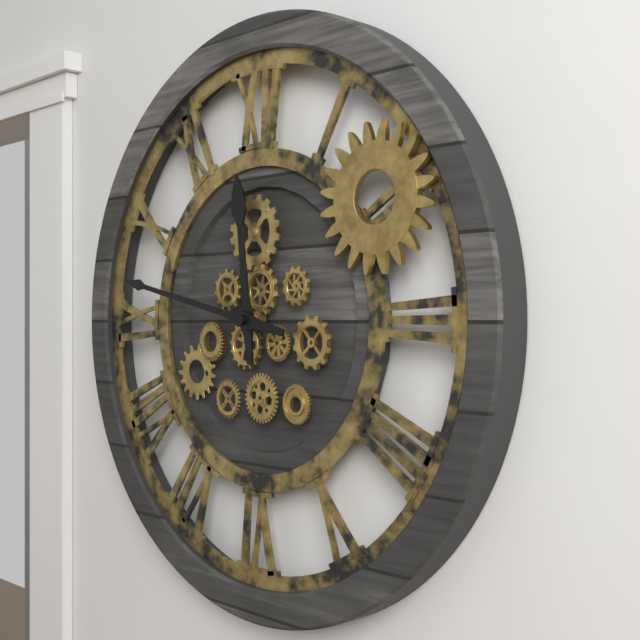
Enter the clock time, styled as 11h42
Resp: 11h47
